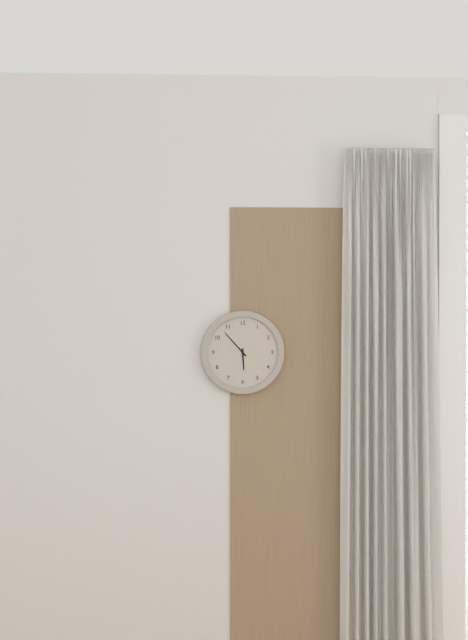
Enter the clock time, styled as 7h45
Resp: 5h53
